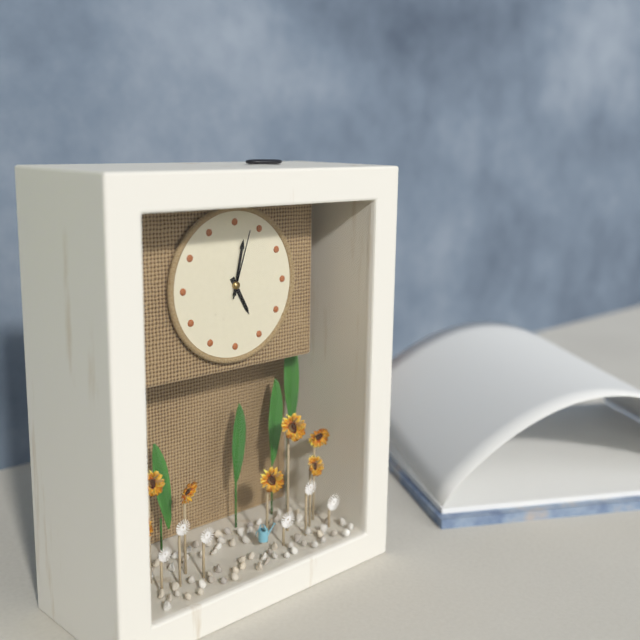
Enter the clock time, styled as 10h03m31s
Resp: 5h02m03s
